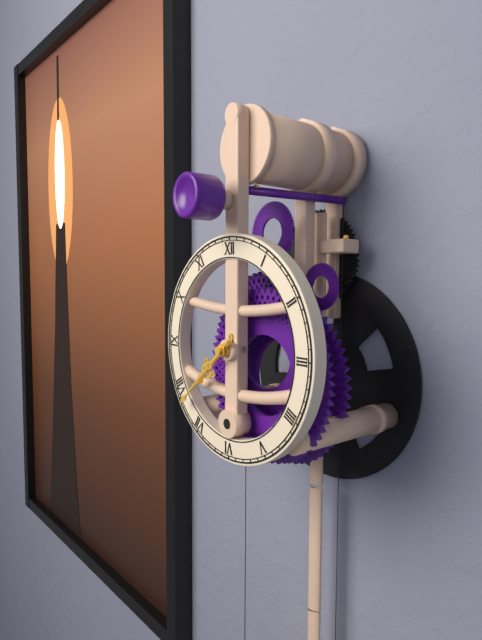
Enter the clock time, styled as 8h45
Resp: 7h38
